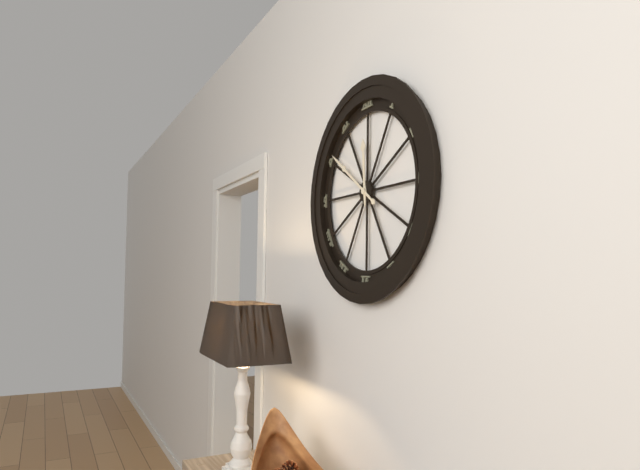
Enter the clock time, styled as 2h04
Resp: 11h51
